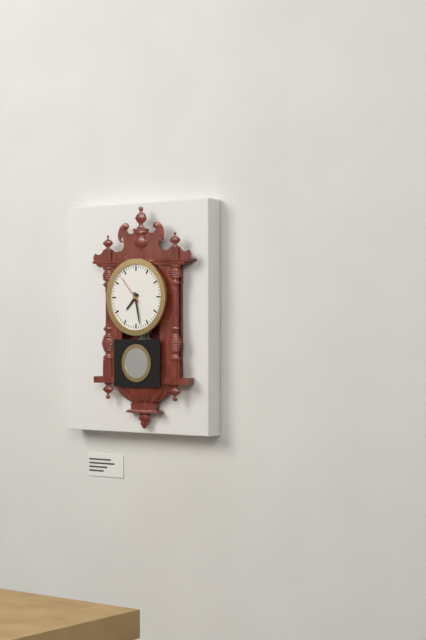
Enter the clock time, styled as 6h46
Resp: 7h28
